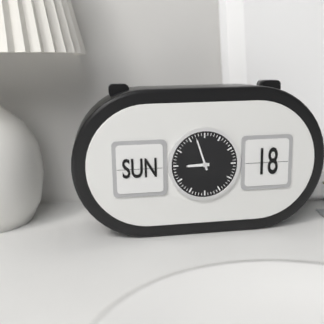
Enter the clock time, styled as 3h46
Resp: 8h57
